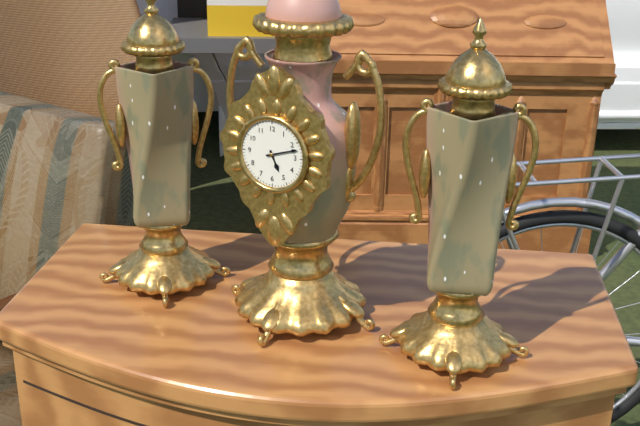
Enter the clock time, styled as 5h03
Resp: 5h12
